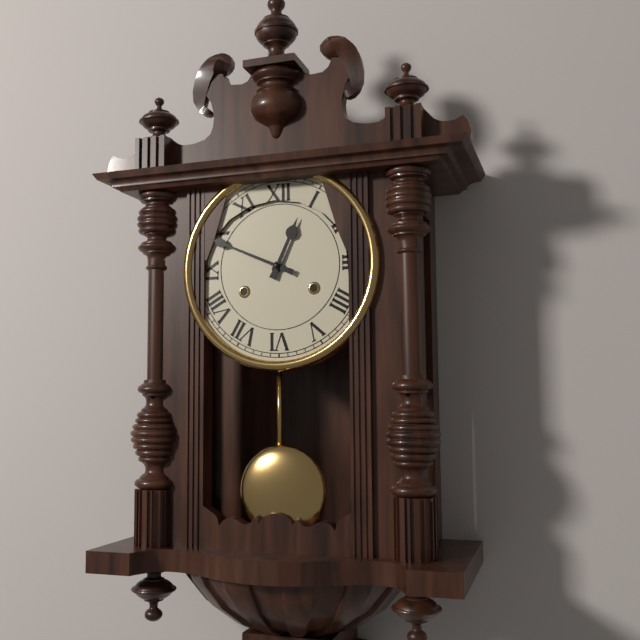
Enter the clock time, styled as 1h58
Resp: 12h49
